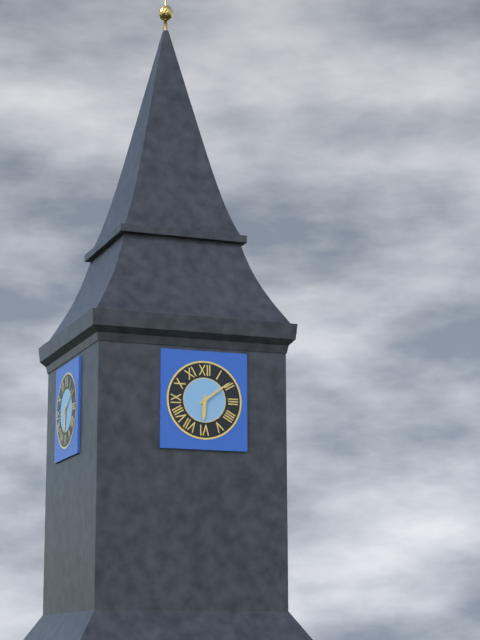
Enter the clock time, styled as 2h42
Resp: 6h09
